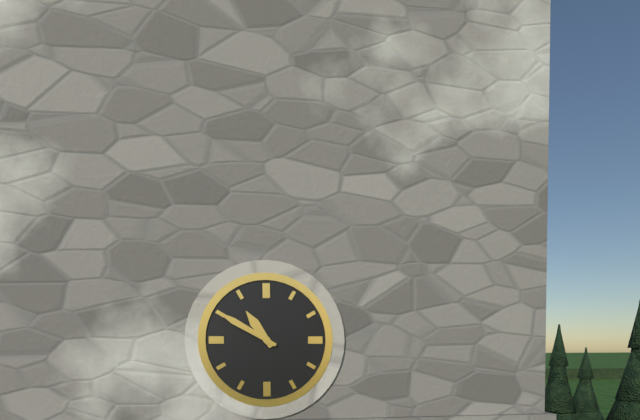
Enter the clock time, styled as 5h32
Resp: 10h50
